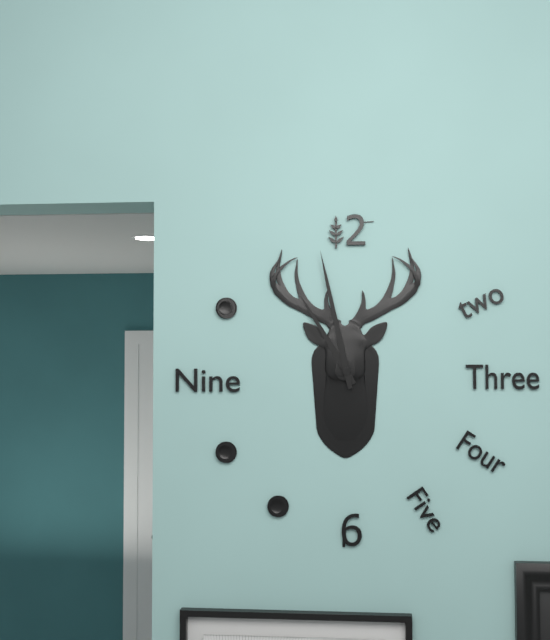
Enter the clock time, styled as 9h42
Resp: 10h58
